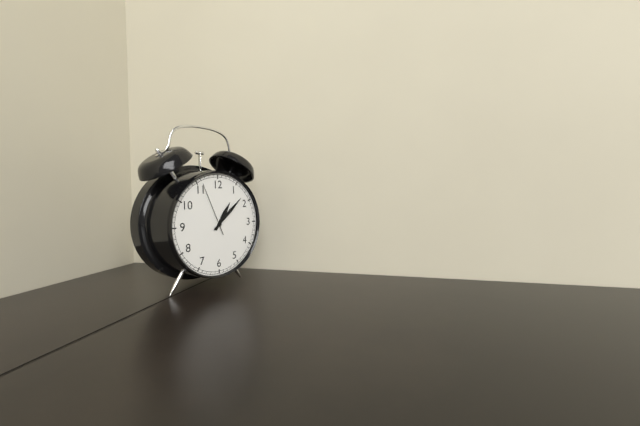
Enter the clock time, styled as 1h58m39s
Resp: 1h08m56s
